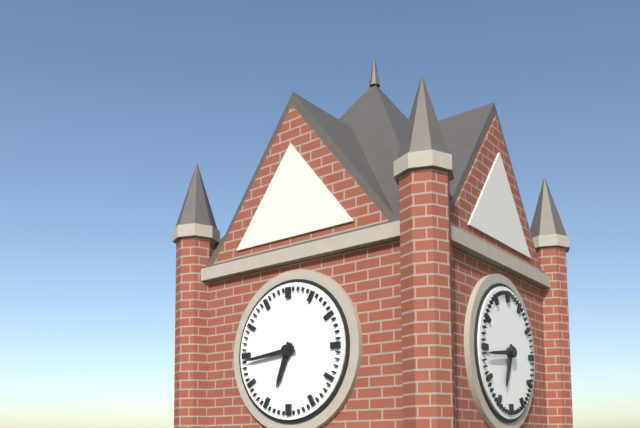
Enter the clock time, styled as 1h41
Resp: 6h44
